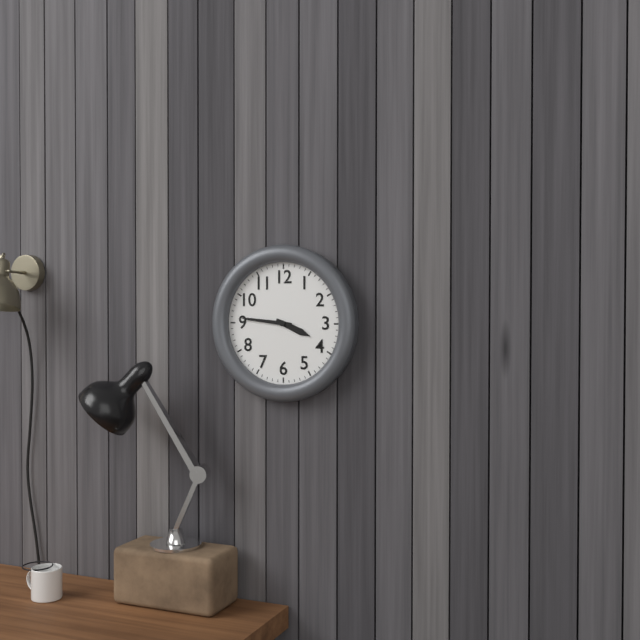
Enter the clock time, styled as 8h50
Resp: 3h46
